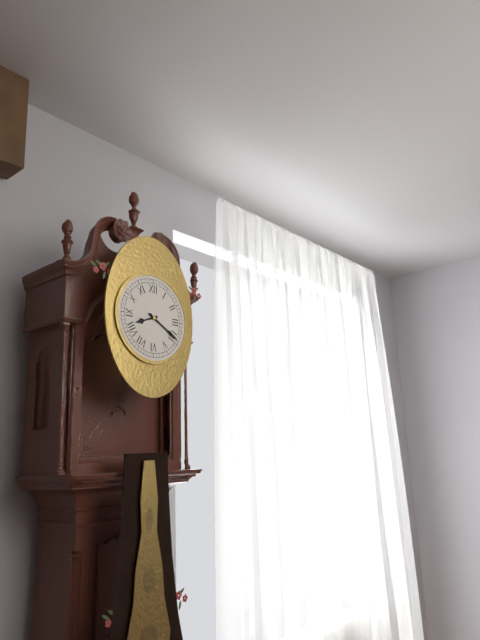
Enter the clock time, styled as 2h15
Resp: 8h20
